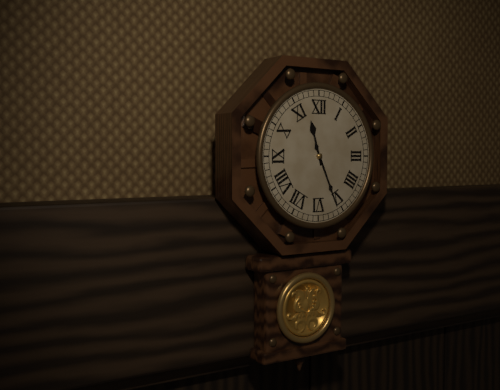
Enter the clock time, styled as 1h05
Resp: 11h26
